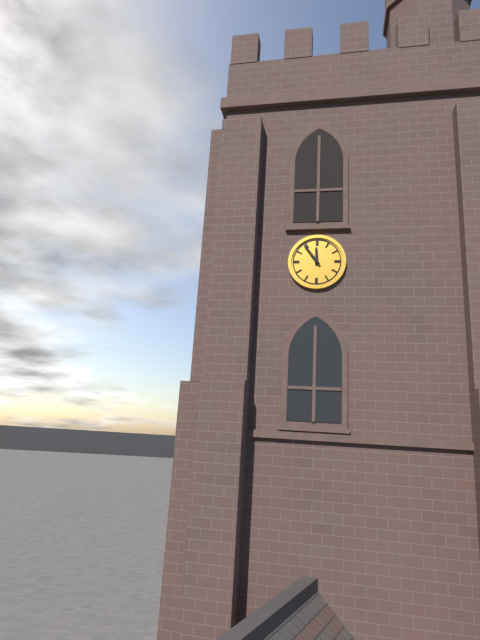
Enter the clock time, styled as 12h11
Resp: 11h54
